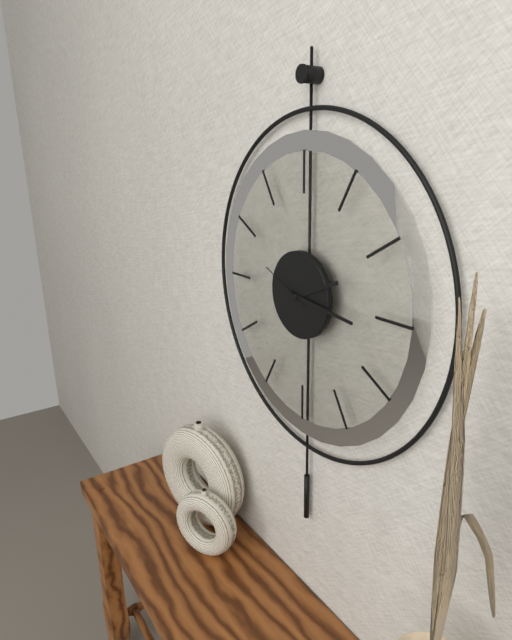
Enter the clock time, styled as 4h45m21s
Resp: 2h16m49s
